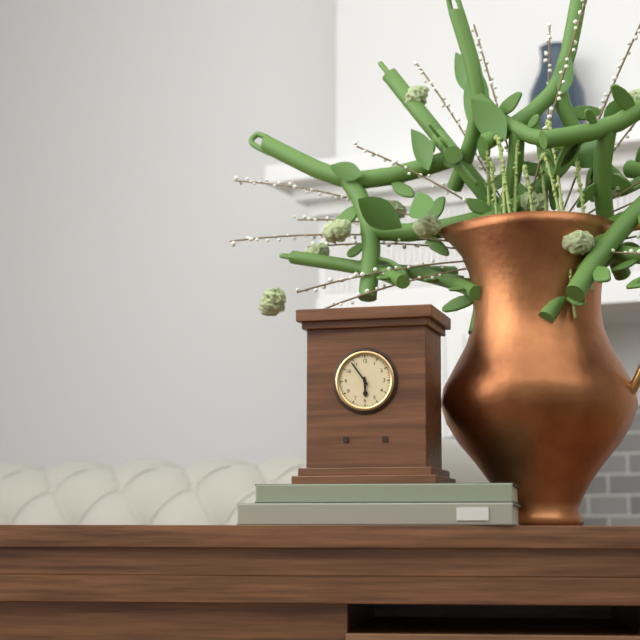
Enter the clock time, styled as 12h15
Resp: 5h54
